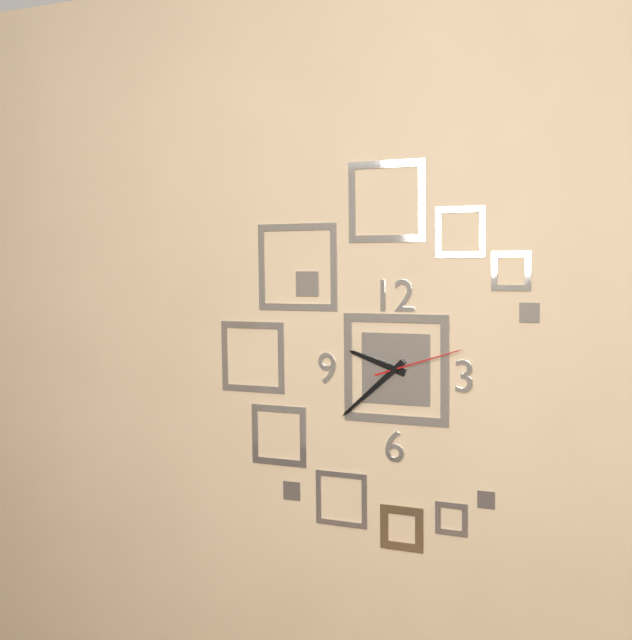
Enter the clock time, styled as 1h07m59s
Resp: 9h38m12s
